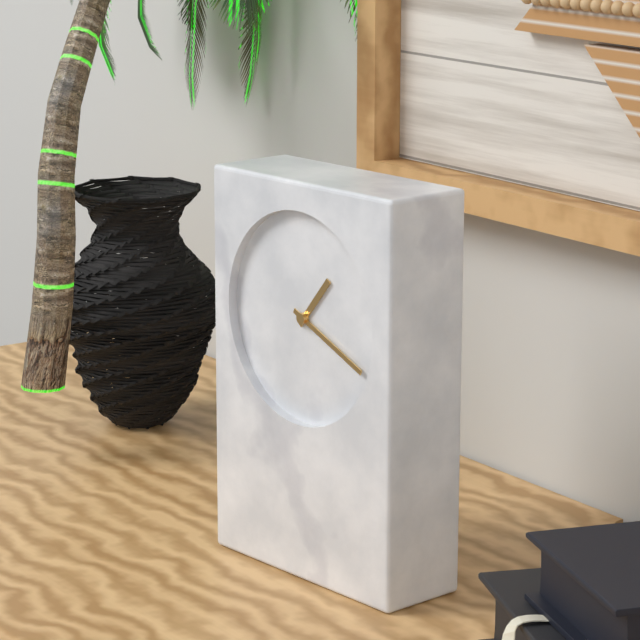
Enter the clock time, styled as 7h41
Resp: 1h19
